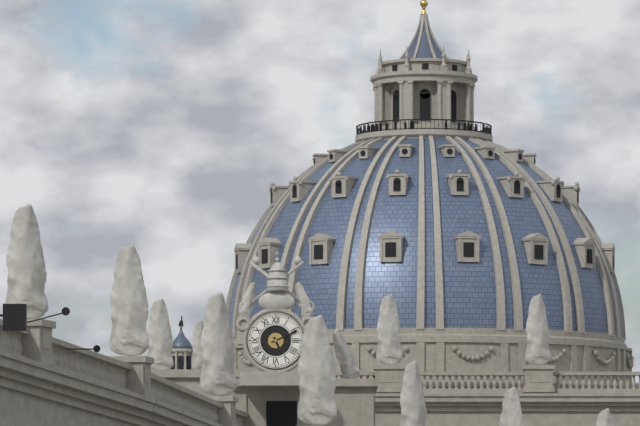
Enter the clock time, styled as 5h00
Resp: 5h11
